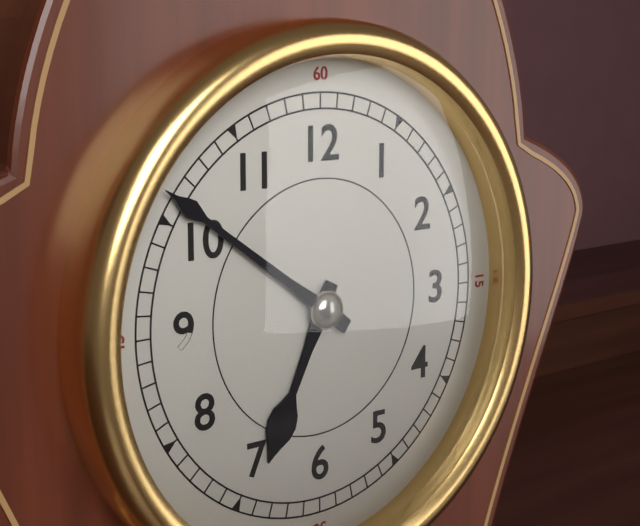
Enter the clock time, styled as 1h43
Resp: 6h51
